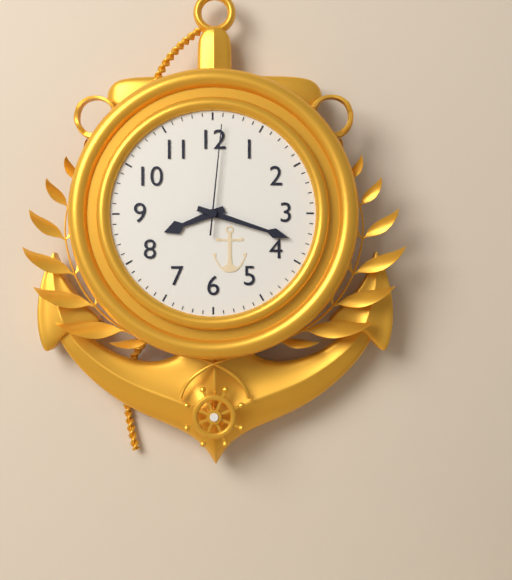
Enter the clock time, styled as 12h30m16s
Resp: 8h18m01s
